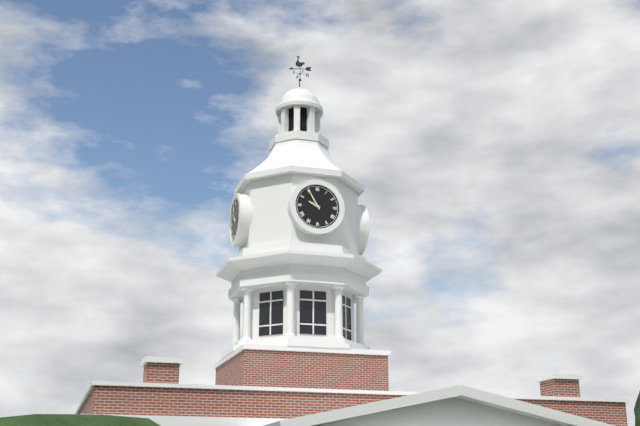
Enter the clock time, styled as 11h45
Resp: 9h55
